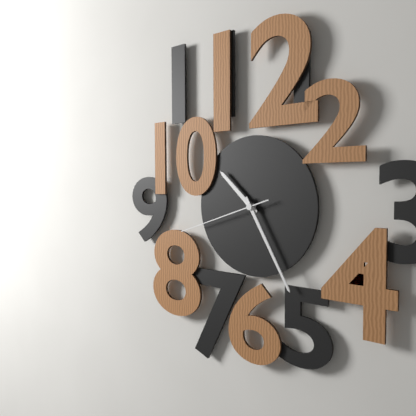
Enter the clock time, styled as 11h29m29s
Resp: 10h25m42s
